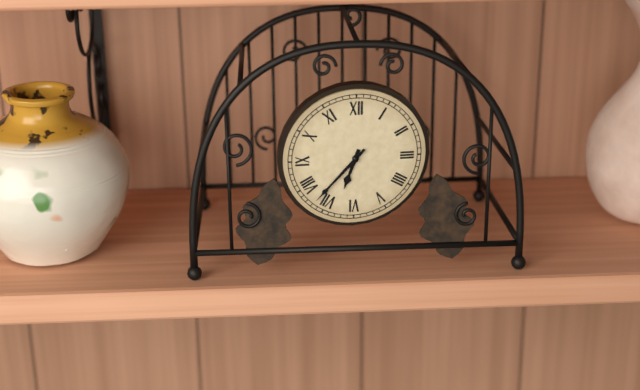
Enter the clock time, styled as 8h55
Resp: 6h37
